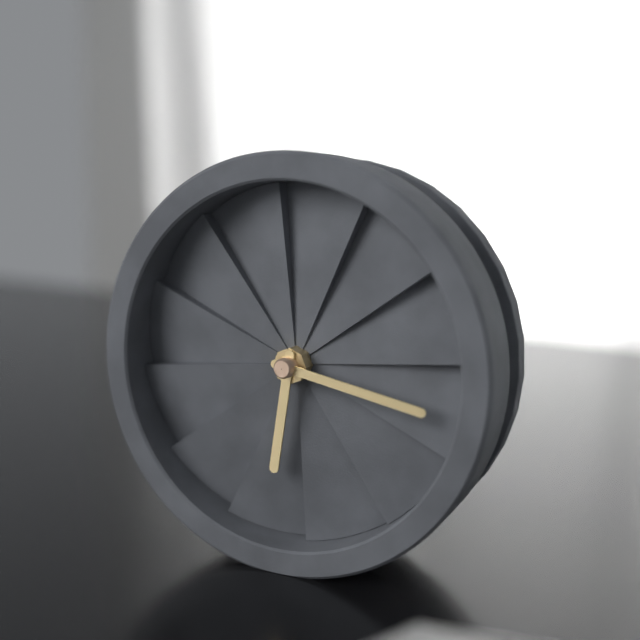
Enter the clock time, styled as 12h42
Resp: 6h17
